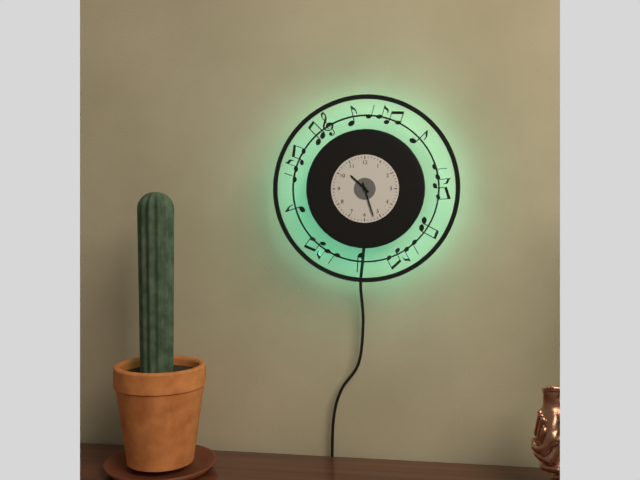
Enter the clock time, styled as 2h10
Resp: 10h27
